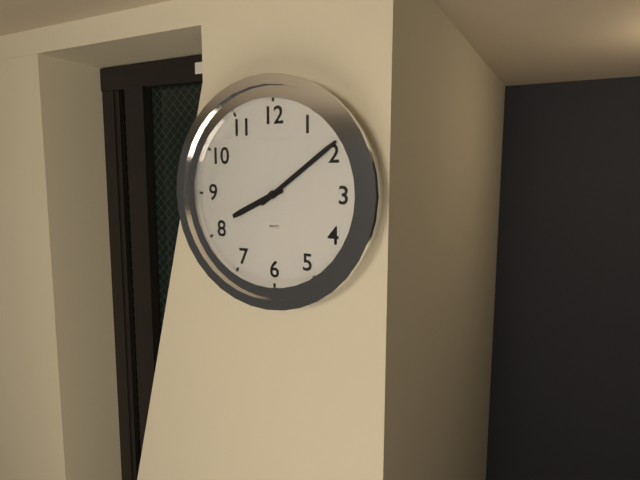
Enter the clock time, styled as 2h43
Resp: 8h09
